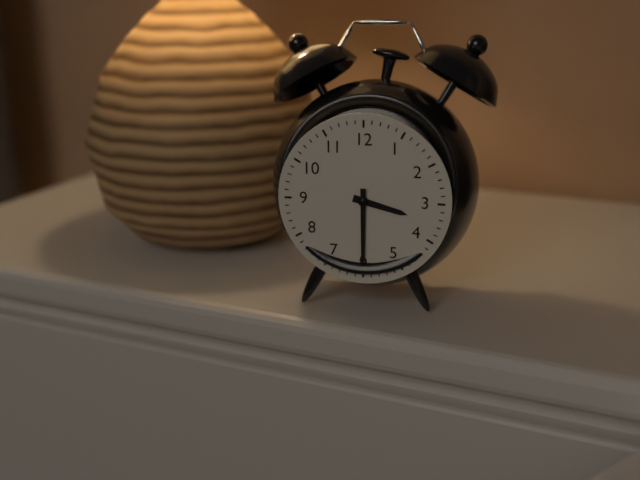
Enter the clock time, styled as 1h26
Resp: 3h30
